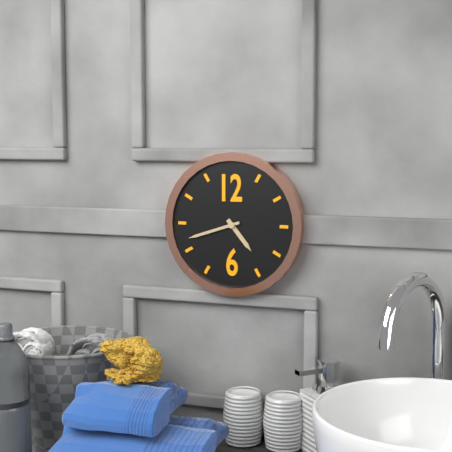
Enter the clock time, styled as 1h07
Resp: 4h42
